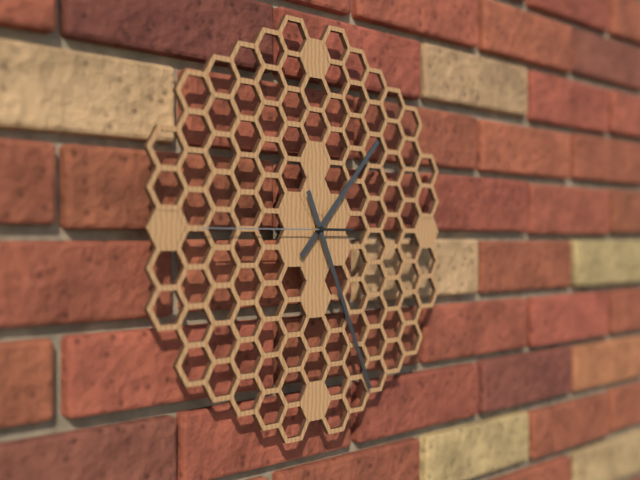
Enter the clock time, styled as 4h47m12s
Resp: 1h26m45s
